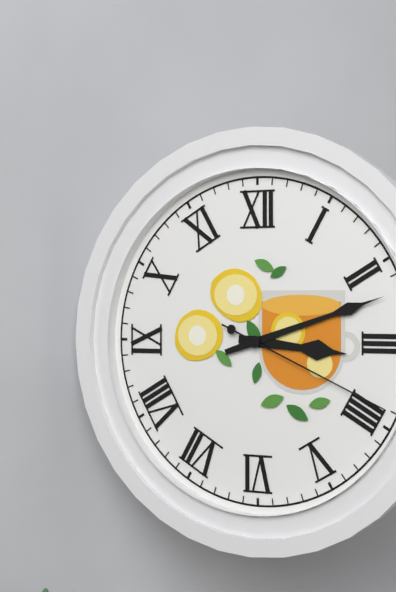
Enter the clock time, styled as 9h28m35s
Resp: 3h12m19s
